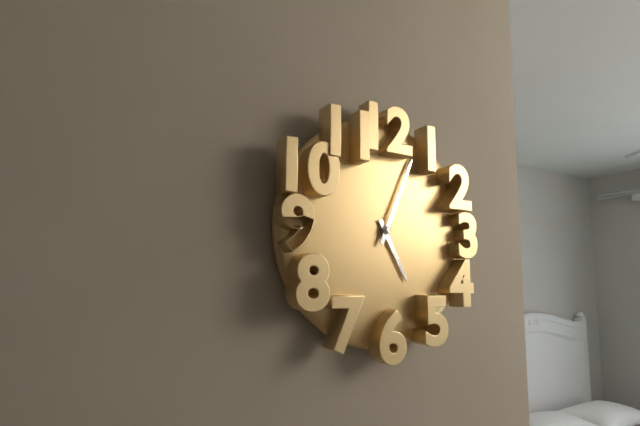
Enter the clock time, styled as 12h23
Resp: 5h04
